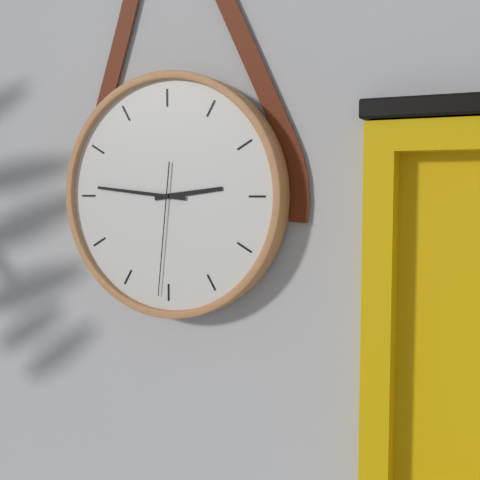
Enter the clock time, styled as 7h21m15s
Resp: 2h46m31s
